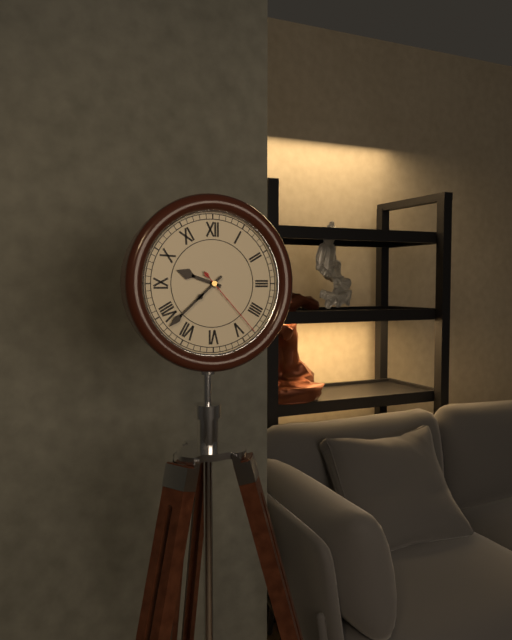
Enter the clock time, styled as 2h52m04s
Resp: 9h38m23s
